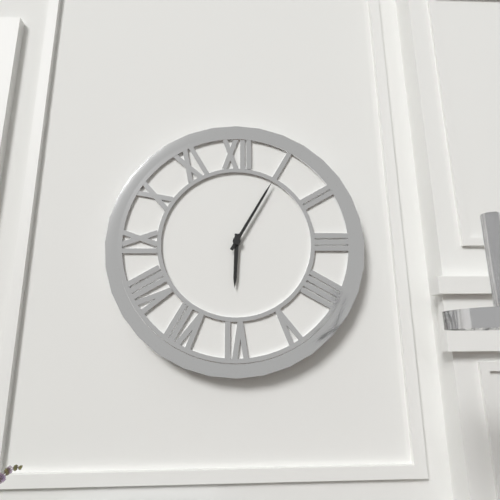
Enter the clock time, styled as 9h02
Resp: 6h05
